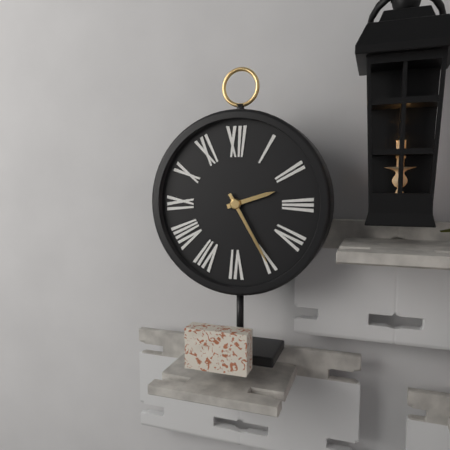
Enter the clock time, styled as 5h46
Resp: 2h25
